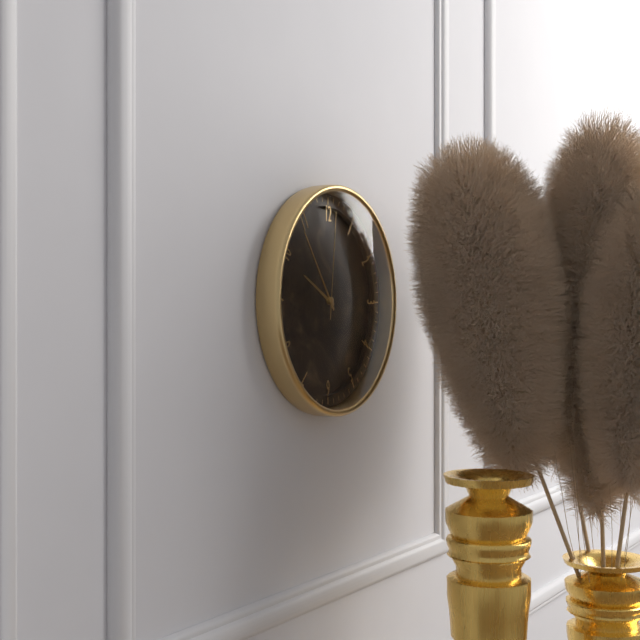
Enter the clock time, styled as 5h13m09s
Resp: 9h54m01s
